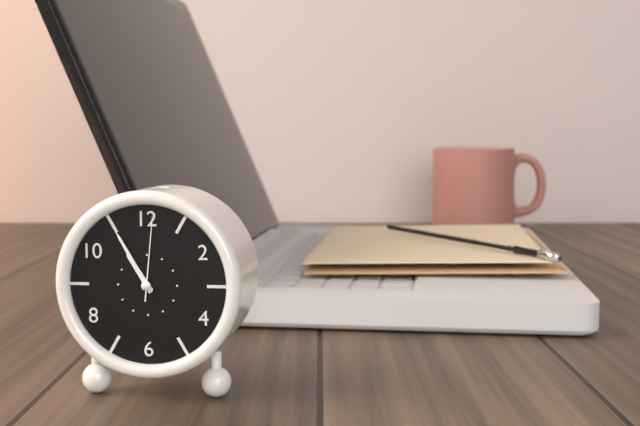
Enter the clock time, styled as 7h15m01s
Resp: 10h55m01s
